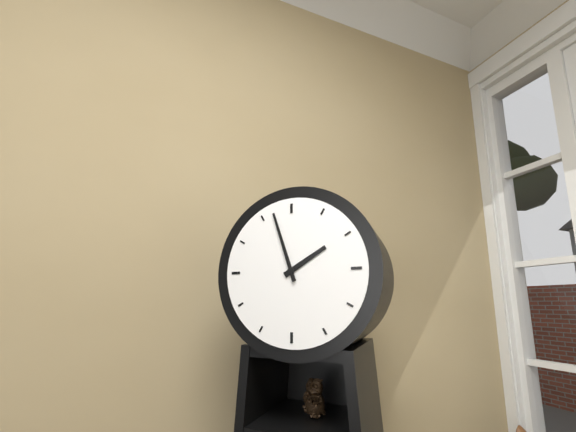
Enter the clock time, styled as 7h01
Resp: 1h57
